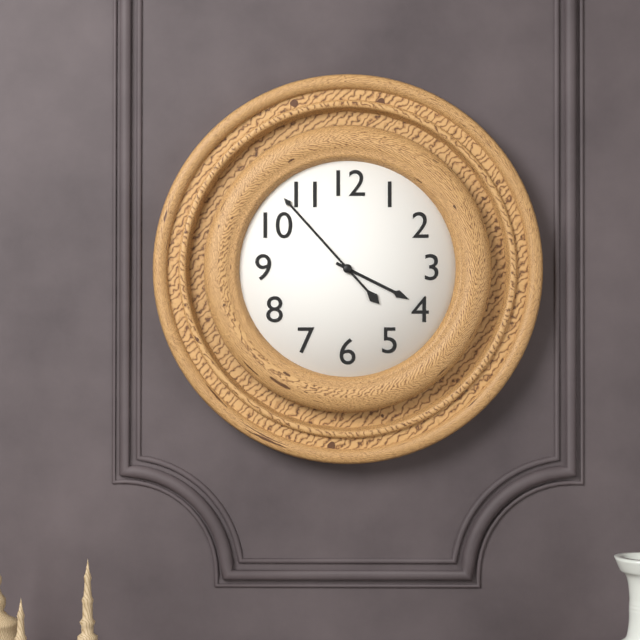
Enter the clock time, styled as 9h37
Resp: 3h53
